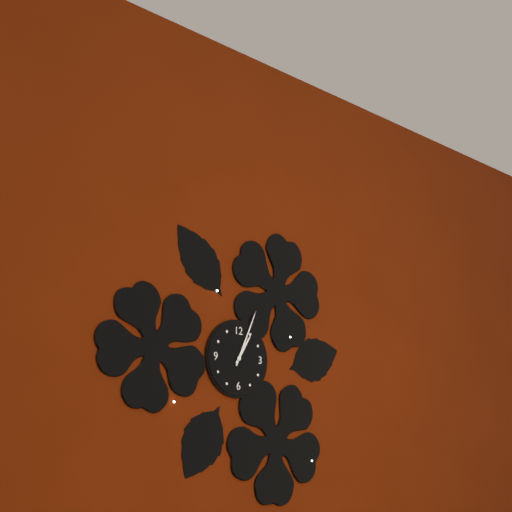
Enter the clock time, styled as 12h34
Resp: 1h04
